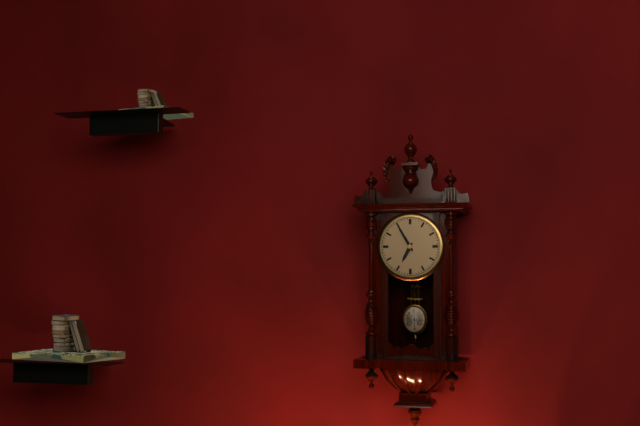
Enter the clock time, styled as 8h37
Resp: 6h55
